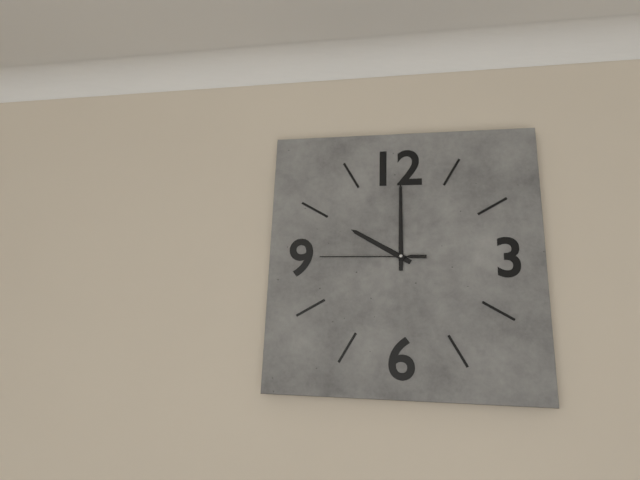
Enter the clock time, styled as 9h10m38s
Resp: 10h00m45s
